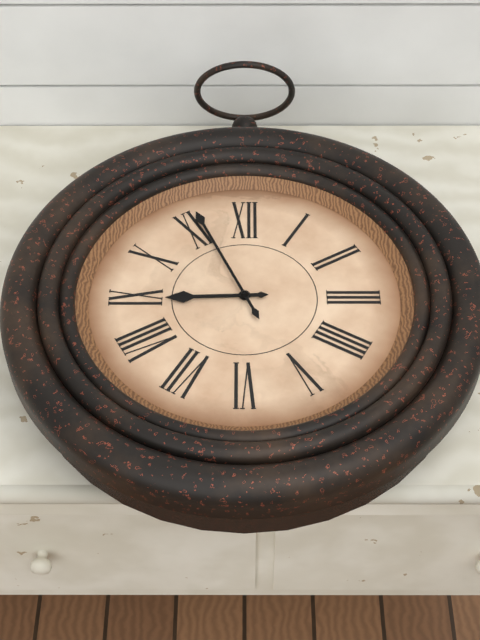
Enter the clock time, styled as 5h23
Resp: 8h56
